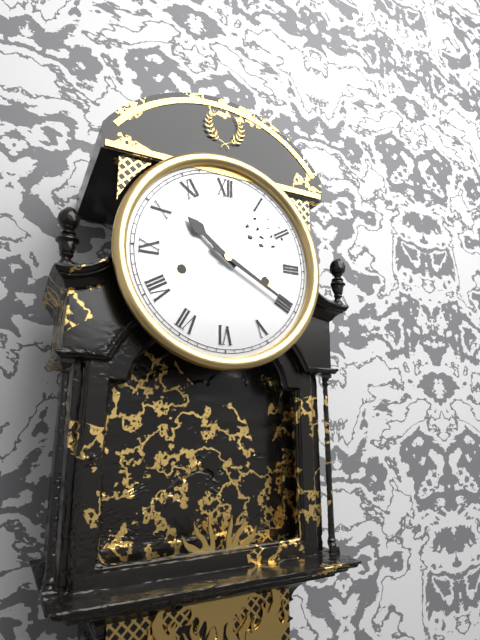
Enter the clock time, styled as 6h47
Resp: 10h20
